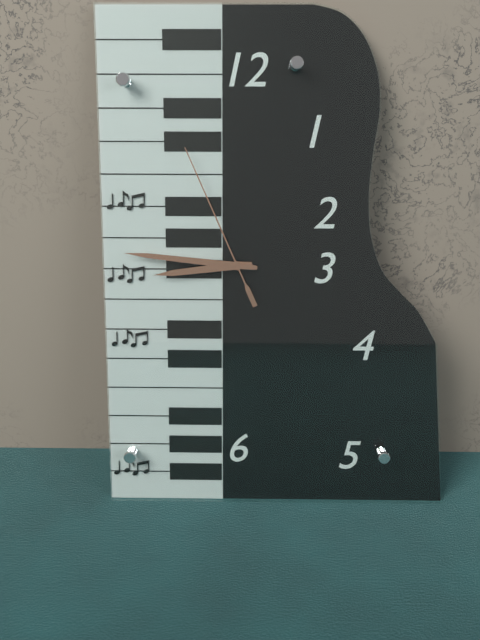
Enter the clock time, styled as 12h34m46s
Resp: 8h46m56s
